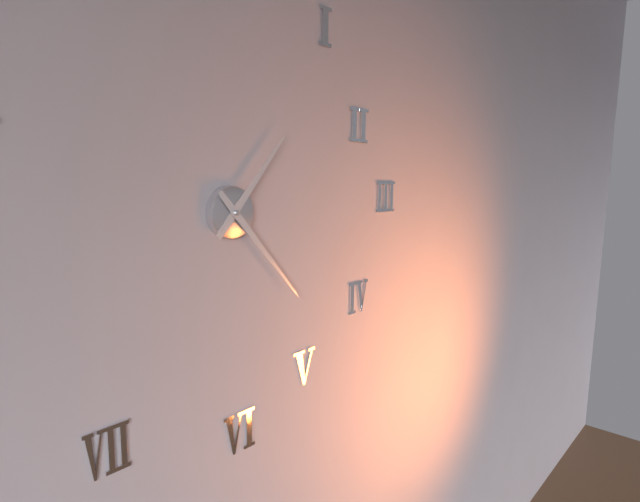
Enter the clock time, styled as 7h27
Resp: 1h23
